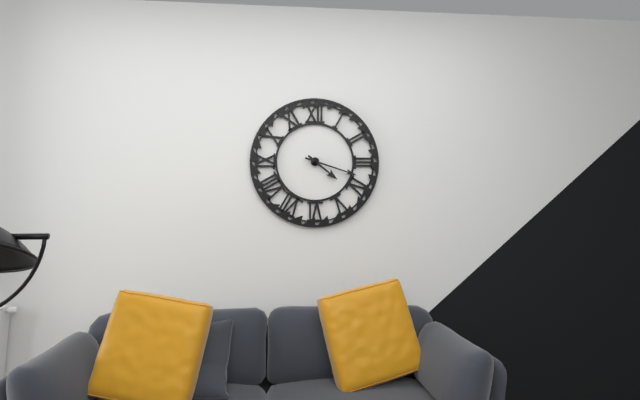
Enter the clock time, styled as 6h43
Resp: 4h18
